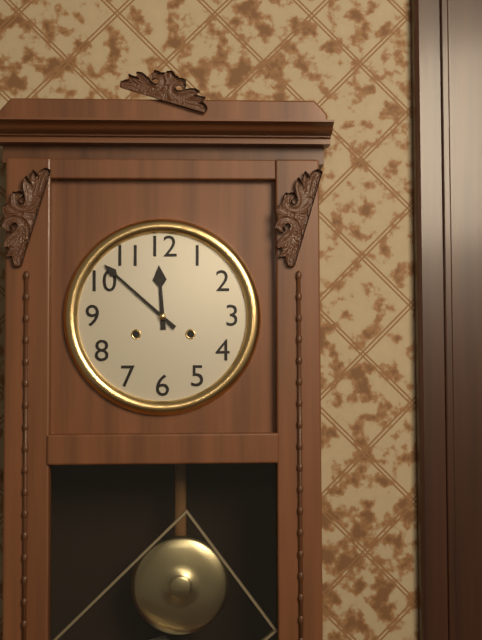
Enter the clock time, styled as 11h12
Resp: 11h52
